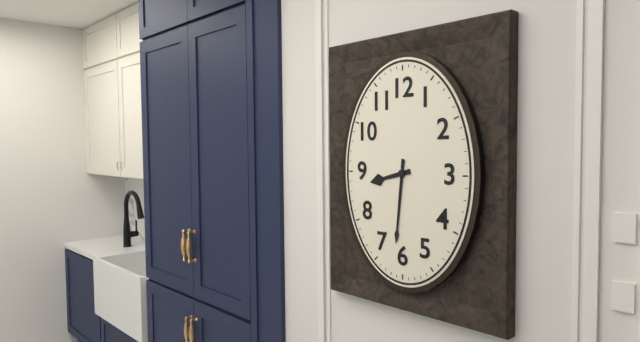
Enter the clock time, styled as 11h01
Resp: 8h31
